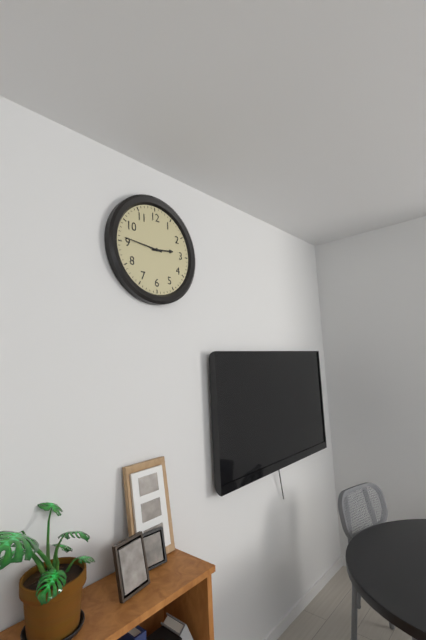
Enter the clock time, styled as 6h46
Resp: 2h46
